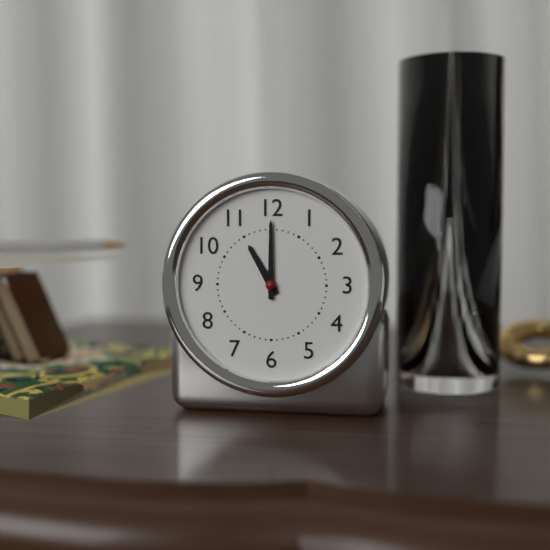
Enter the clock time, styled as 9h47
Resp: 11h00
